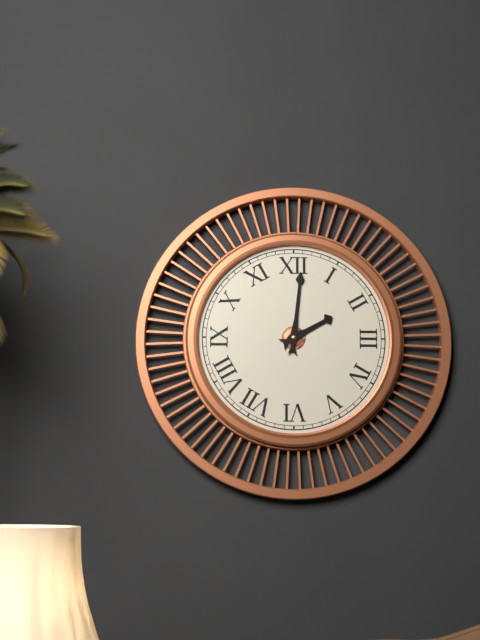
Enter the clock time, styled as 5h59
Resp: 2h01
